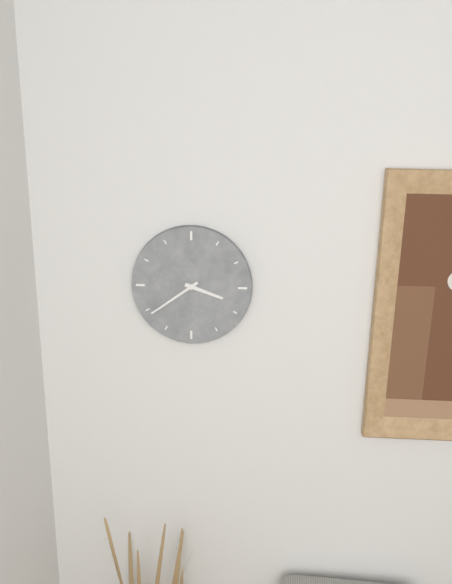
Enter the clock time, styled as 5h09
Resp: 3h39
